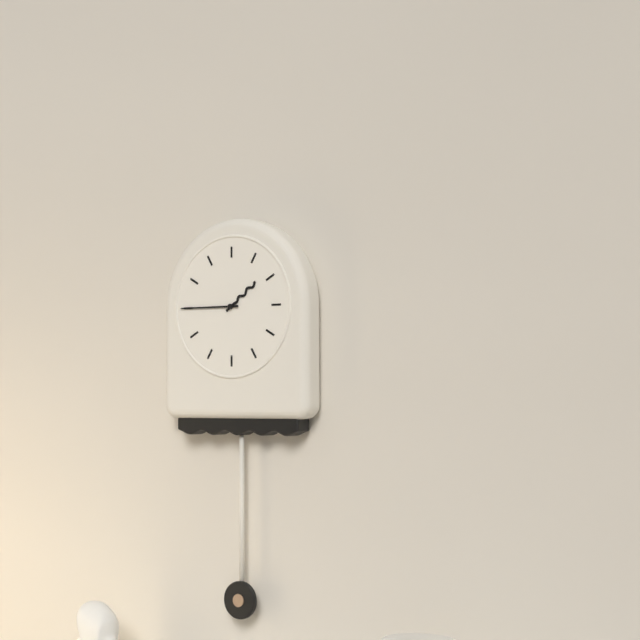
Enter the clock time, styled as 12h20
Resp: 1h45
